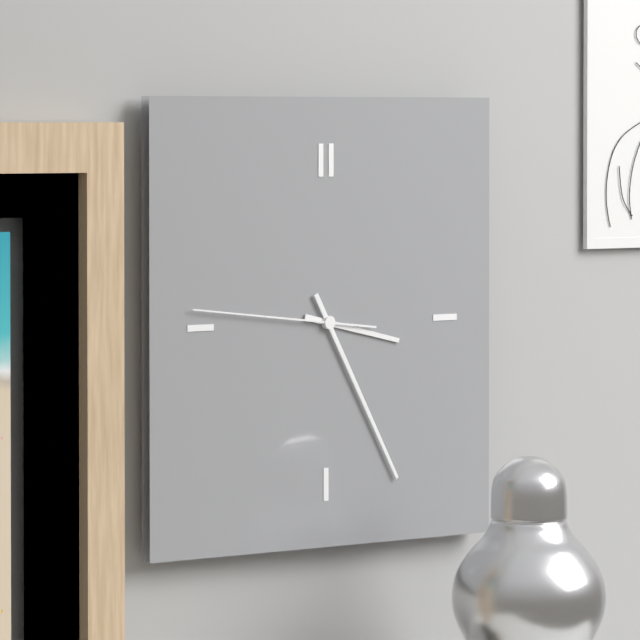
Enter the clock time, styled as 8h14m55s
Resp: 3h25m46s
